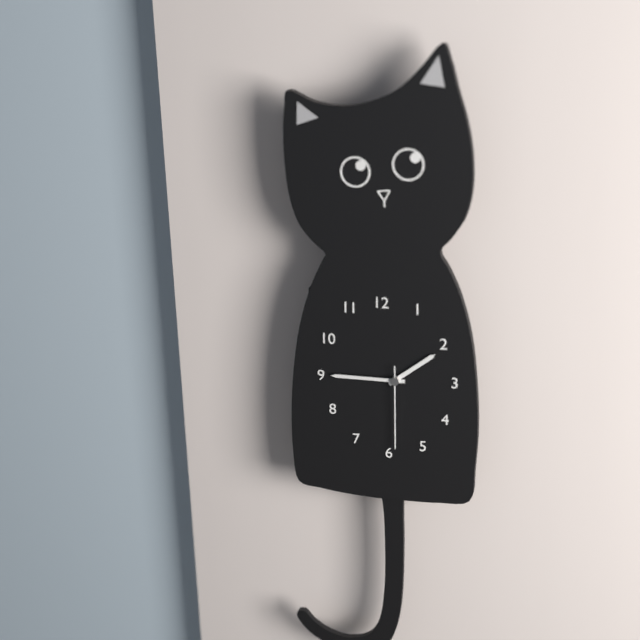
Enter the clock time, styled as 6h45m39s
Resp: 1h45m30s
